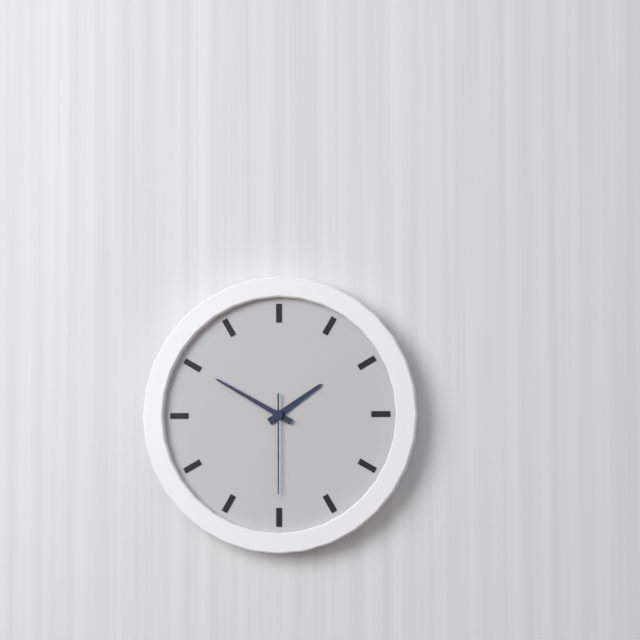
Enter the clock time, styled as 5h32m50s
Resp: 1h50m30s
